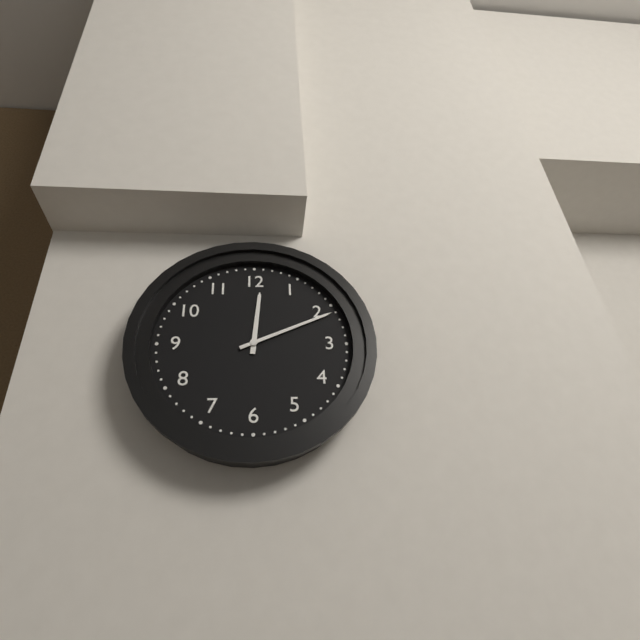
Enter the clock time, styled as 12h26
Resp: 12h11
